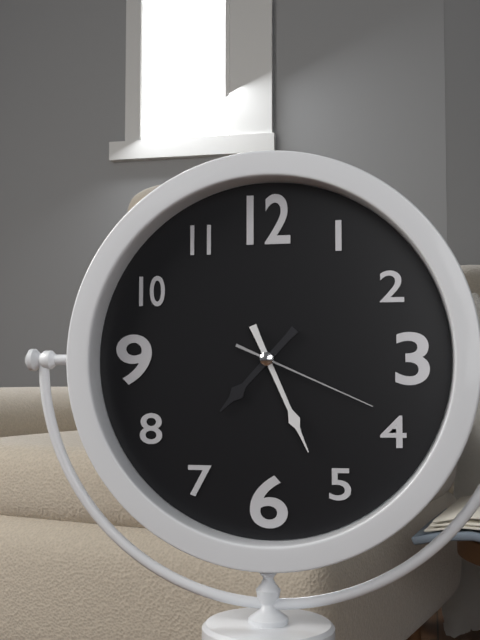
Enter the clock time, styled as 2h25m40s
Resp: 7h26m19s
